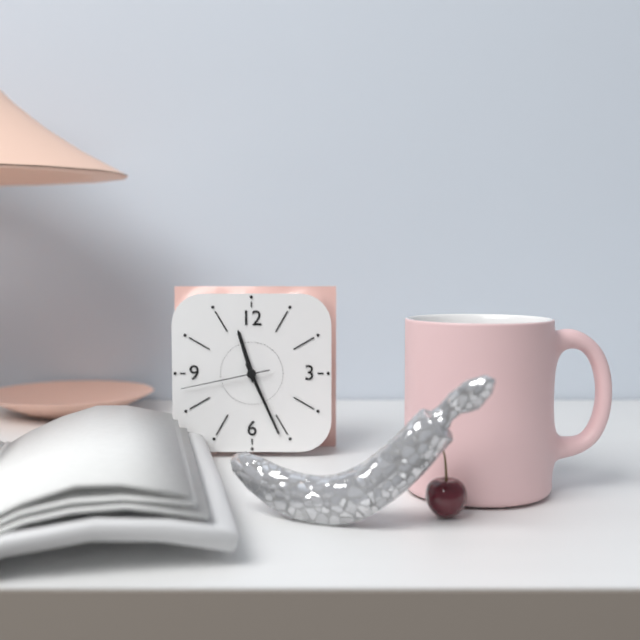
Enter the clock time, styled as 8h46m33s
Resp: 11h26m43s
